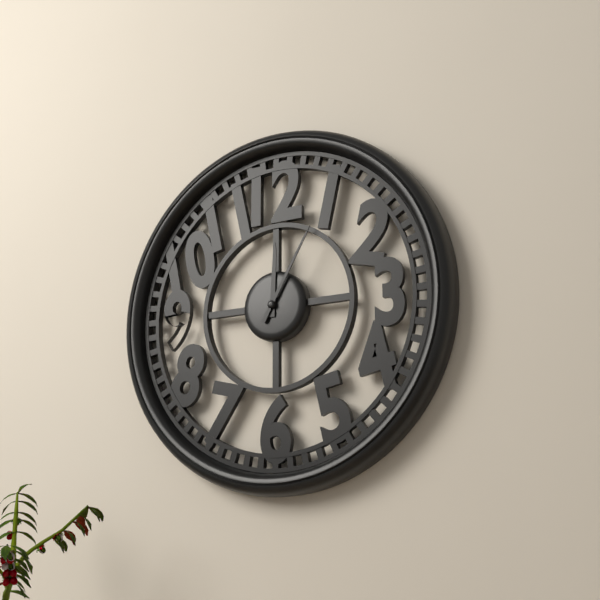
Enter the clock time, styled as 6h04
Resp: 12h05
